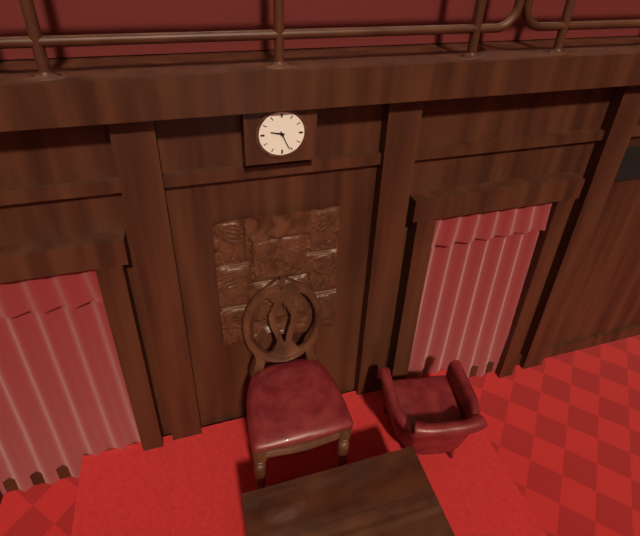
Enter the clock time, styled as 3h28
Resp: 9h26
